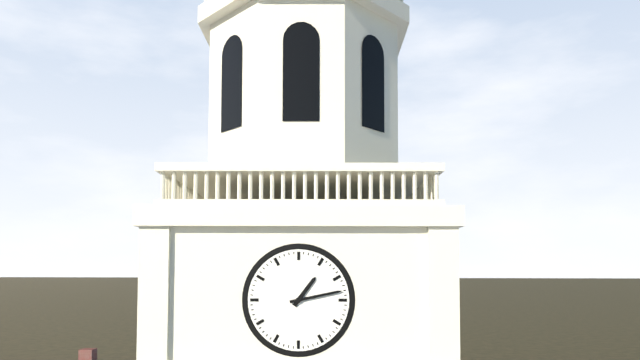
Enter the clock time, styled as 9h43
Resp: 1h13
